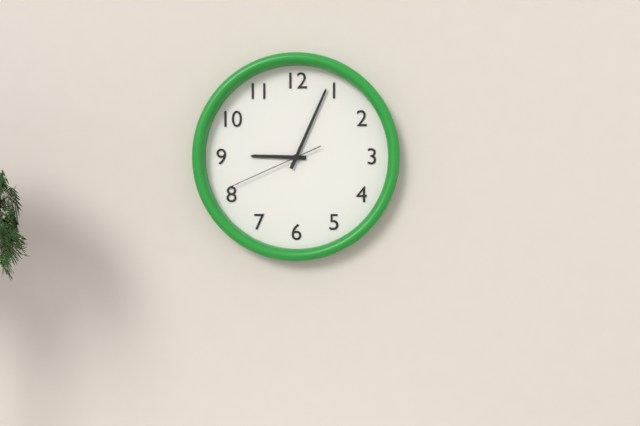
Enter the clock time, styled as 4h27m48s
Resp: 9h04m41s
